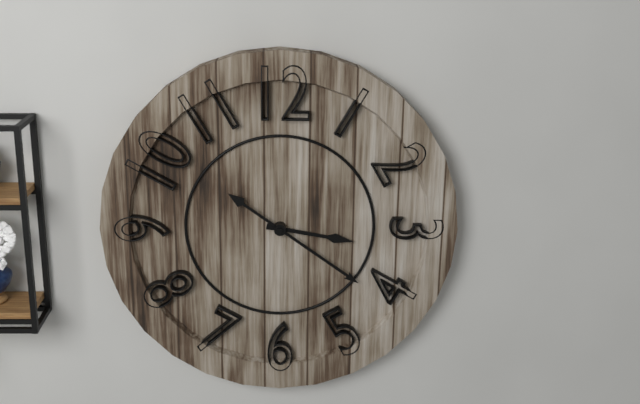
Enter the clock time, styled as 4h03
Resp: 3h21
